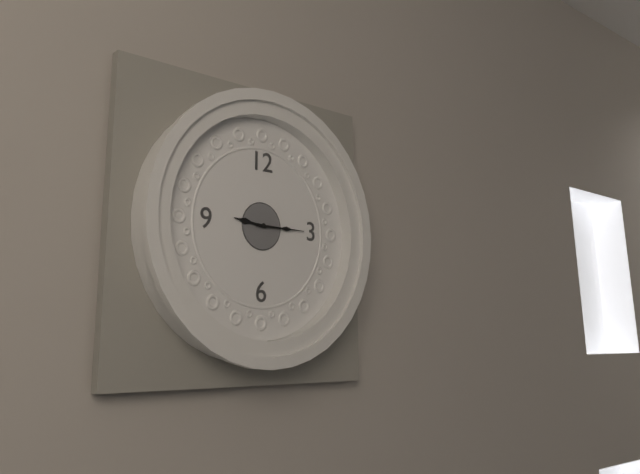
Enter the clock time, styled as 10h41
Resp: 9h15
